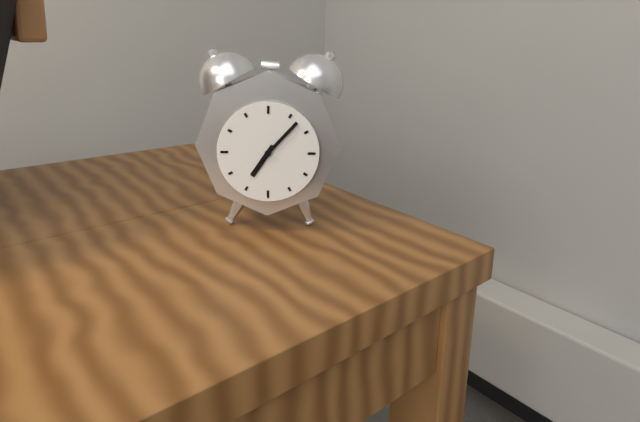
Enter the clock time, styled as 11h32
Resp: 7h07
